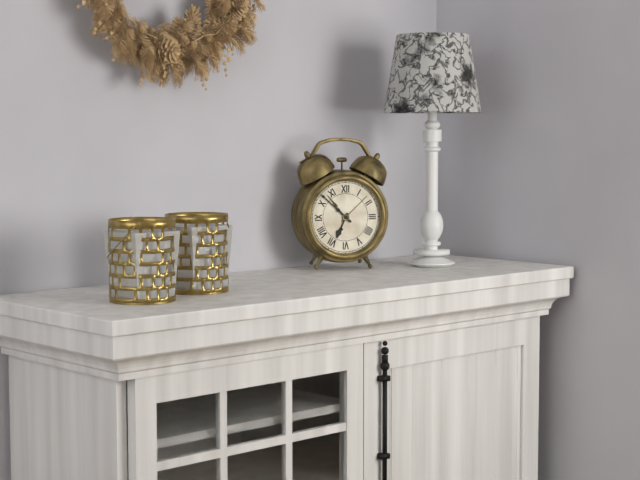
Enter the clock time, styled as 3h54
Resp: 6h52
